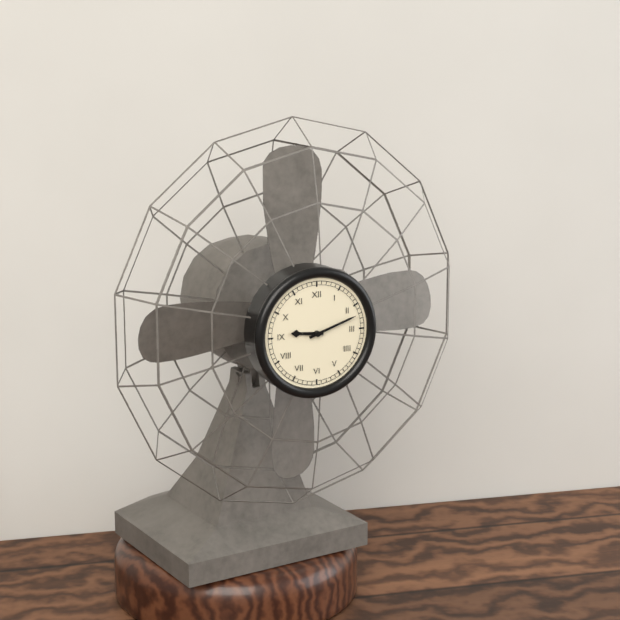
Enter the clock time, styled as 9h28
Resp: 9h12
